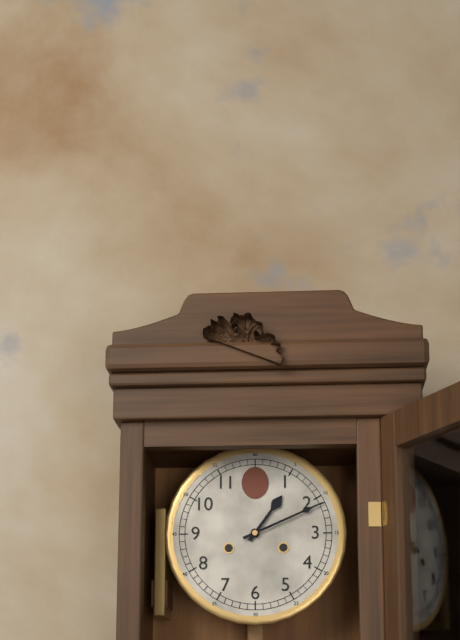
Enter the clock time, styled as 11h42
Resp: 1h11
